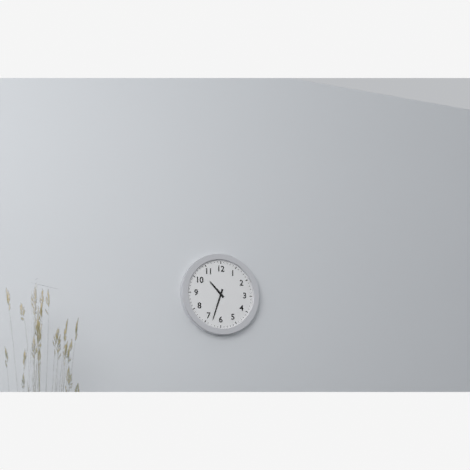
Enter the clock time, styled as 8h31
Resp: 10h33
